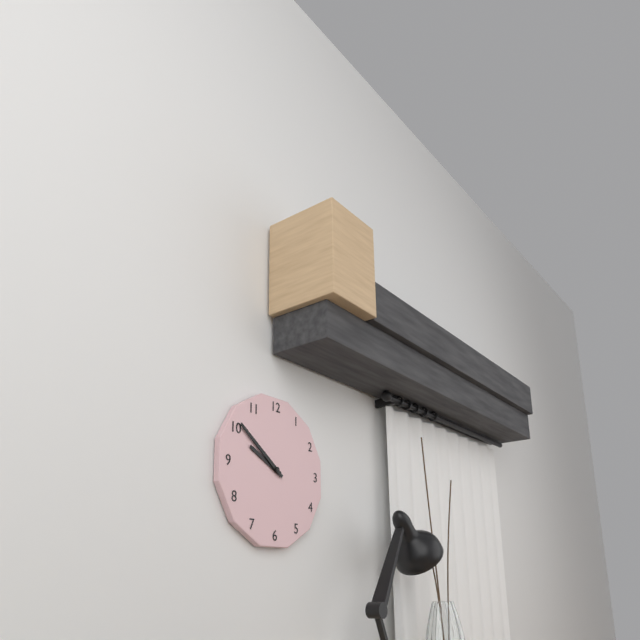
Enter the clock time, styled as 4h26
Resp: 9h51
